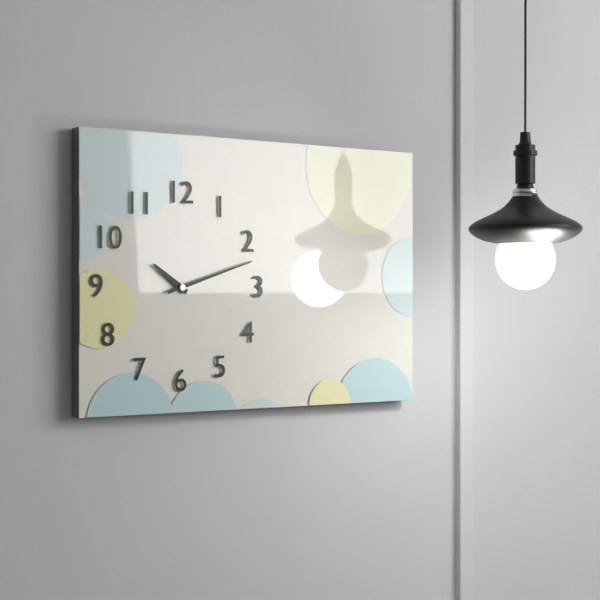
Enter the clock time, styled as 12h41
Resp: 10h12
